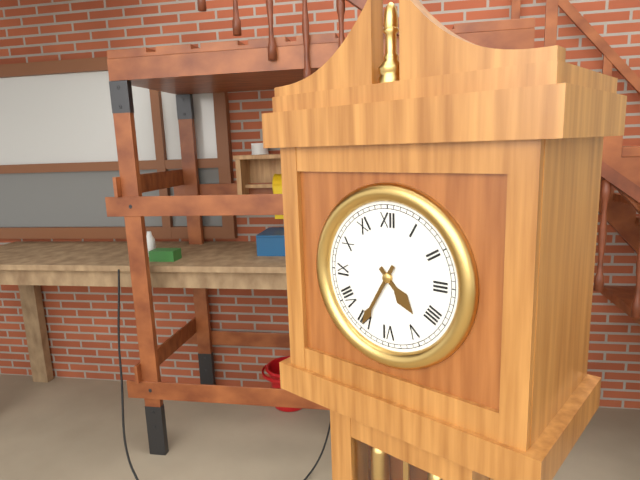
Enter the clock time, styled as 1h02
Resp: 4h35
